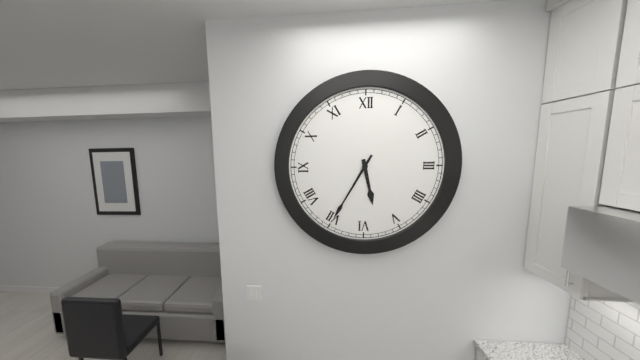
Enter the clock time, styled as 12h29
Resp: 5h35
